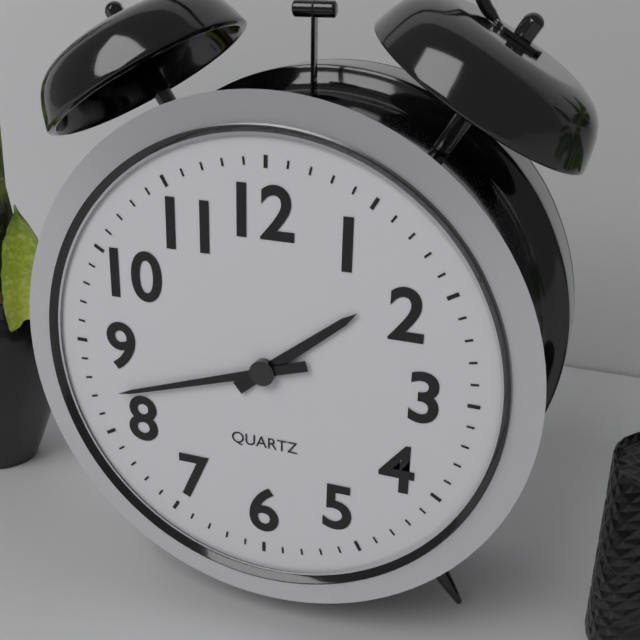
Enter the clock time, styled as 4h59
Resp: 1h42
